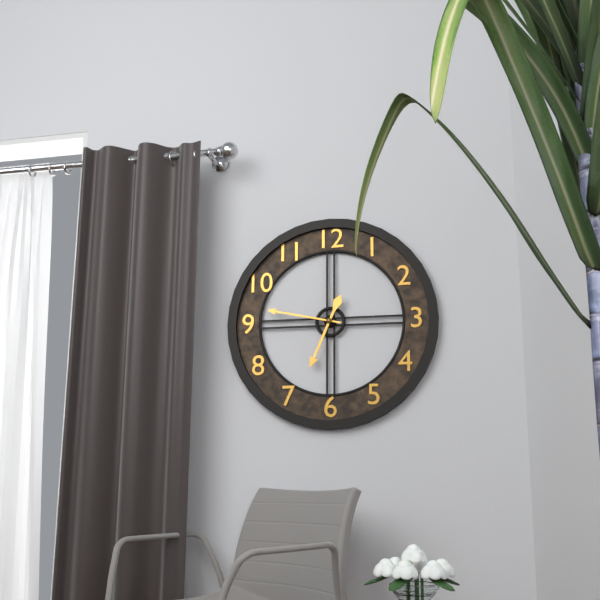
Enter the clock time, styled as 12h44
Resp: 6h47
